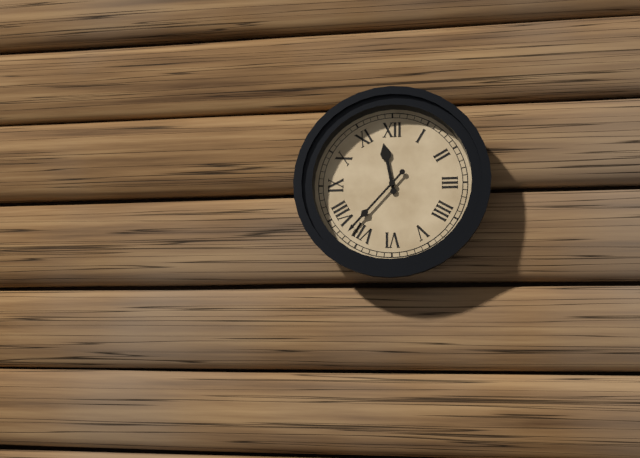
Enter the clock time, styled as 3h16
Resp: 11h37
